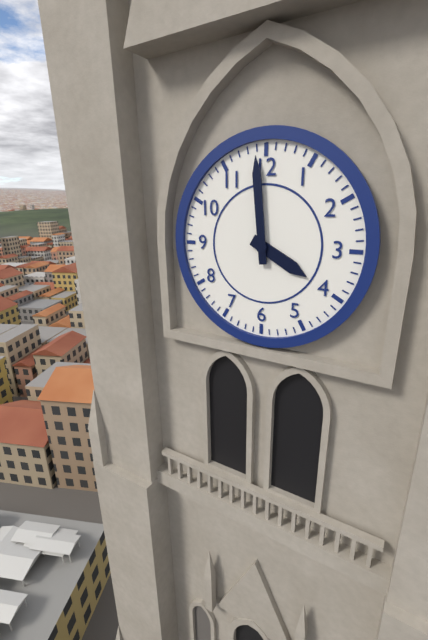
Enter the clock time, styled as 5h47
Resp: 3h59
